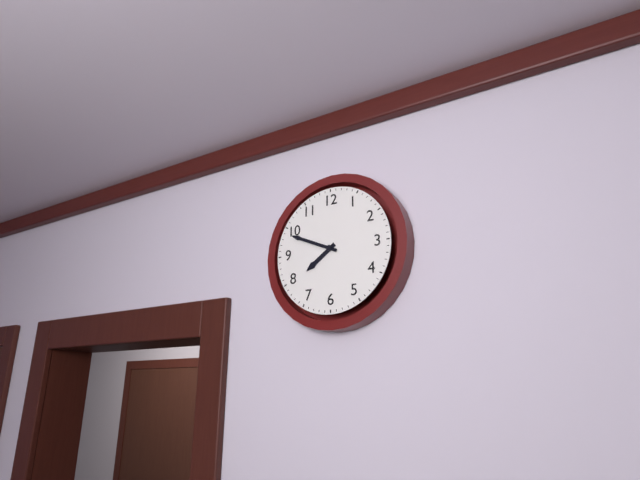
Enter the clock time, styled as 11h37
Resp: 7h49
